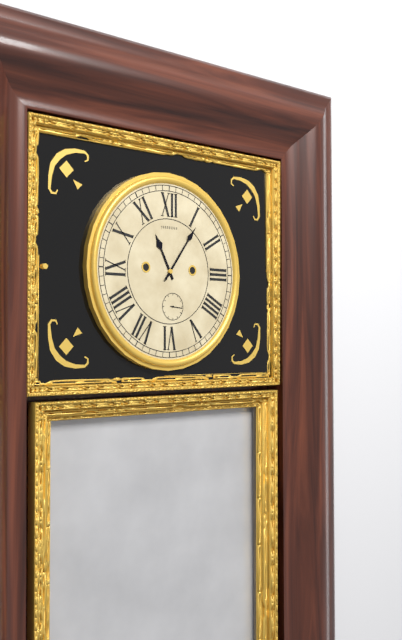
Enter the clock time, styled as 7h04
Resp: 11h06
